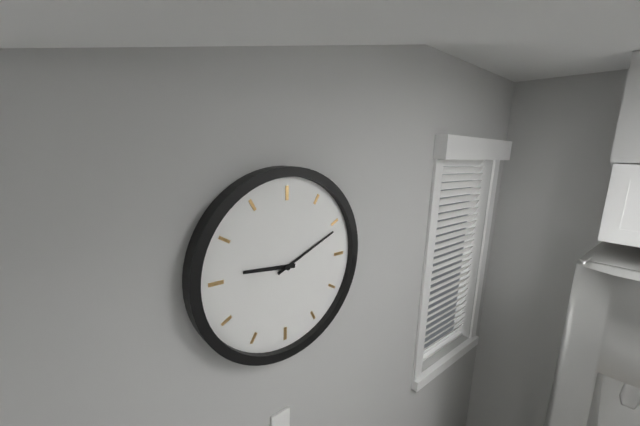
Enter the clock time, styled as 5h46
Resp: 9h11
